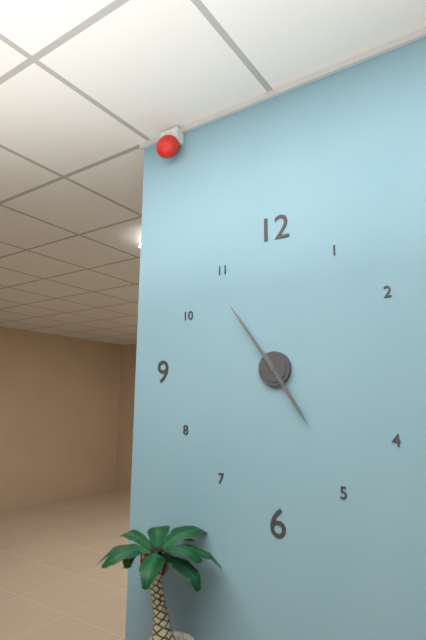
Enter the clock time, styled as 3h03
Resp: 4h54
